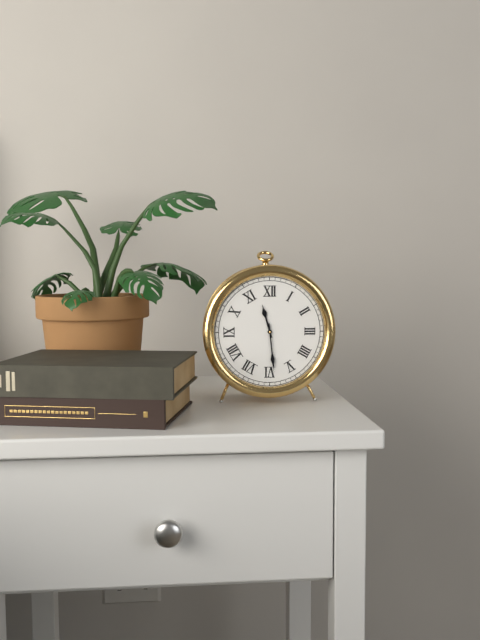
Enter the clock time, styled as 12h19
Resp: 11h29
